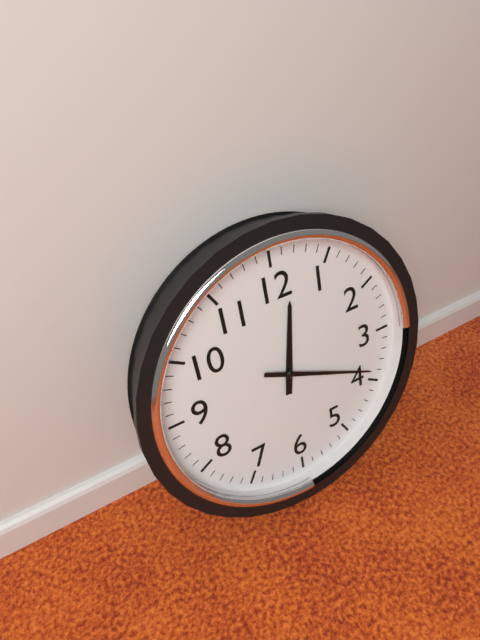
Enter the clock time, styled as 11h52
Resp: 12h19
